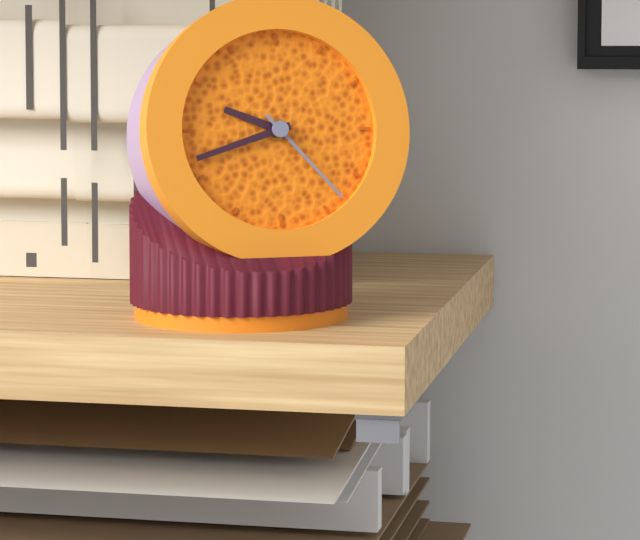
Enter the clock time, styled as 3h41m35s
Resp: 9h42m23s
